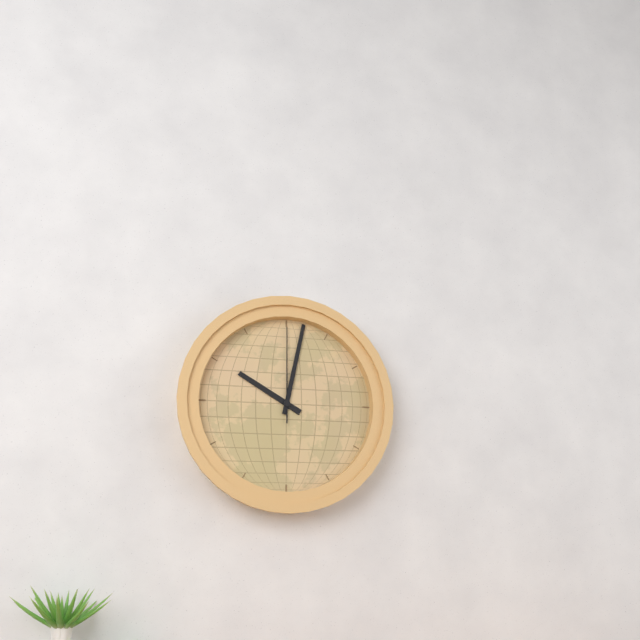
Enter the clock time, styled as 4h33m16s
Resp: 10h02m00s
